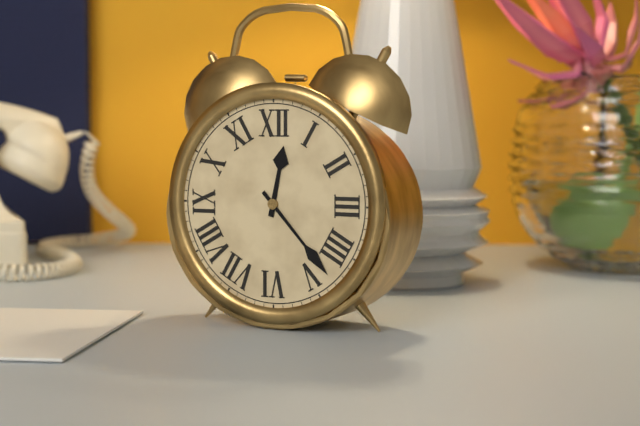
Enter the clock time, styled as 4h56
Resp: 12h23
